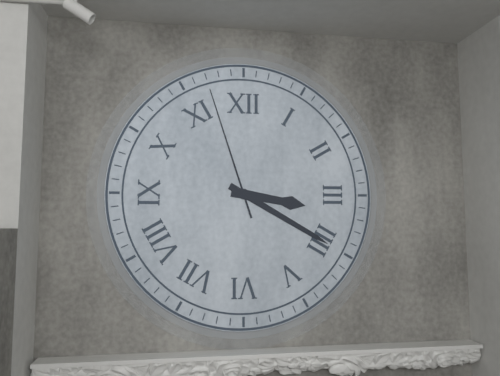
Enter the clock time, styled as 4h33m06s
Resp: 3h20m57s
